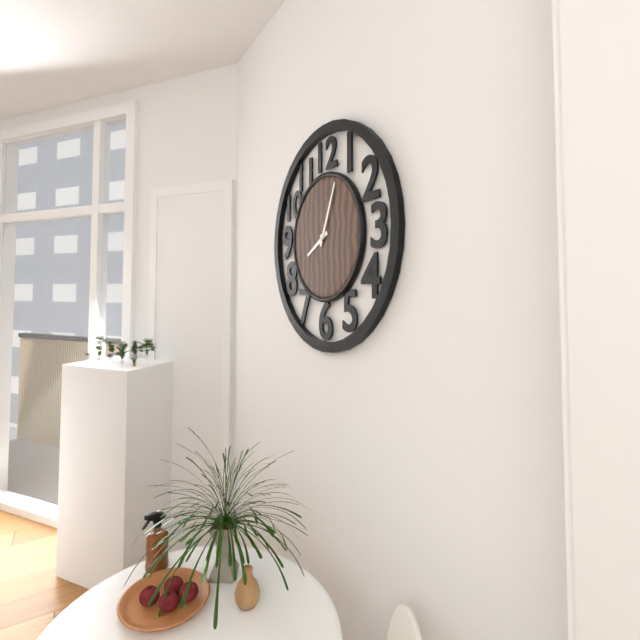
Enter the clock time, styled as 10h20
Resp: 8h04
